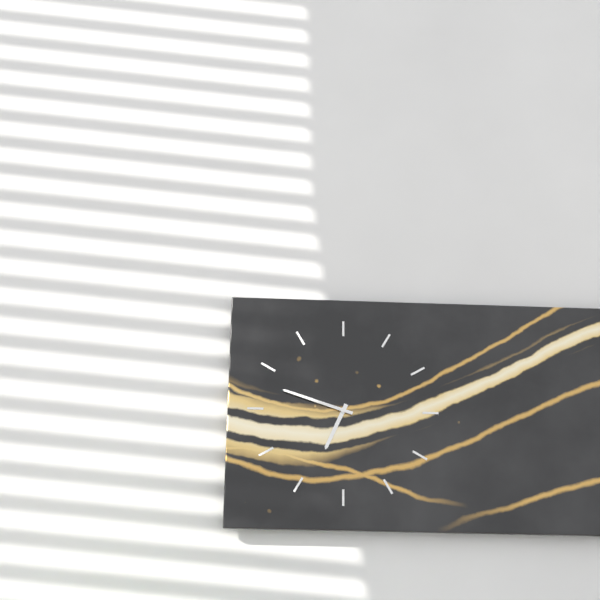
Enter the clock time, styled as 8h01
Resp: 6h48
